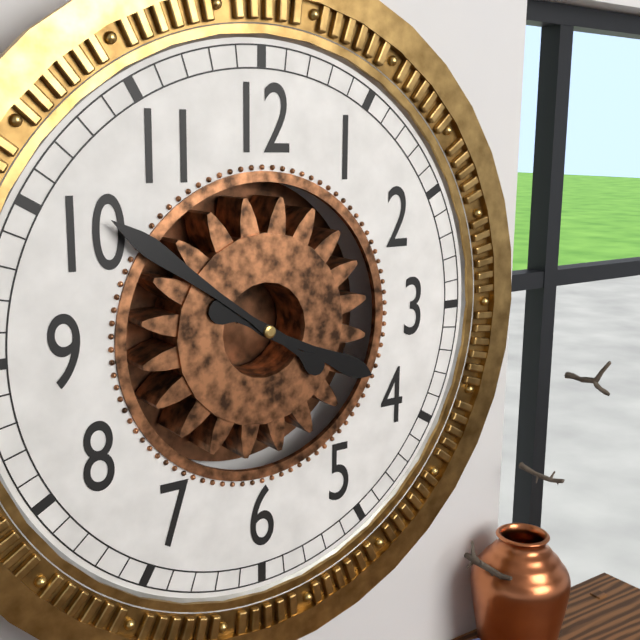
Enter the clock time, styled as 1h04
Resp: 3h51
